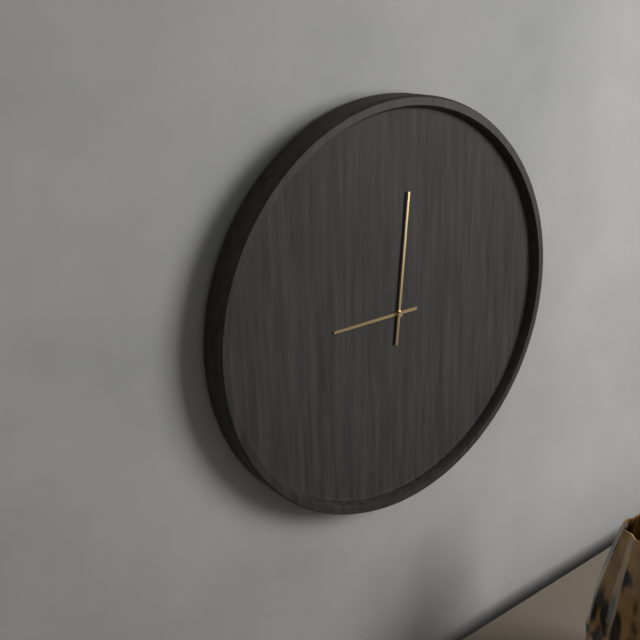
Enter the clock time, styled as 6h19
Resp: 9h01
